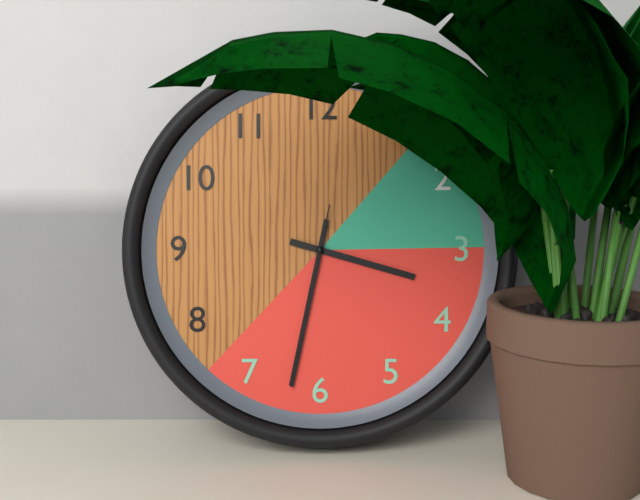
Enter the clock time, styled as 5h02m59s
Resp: 3h32m32s
